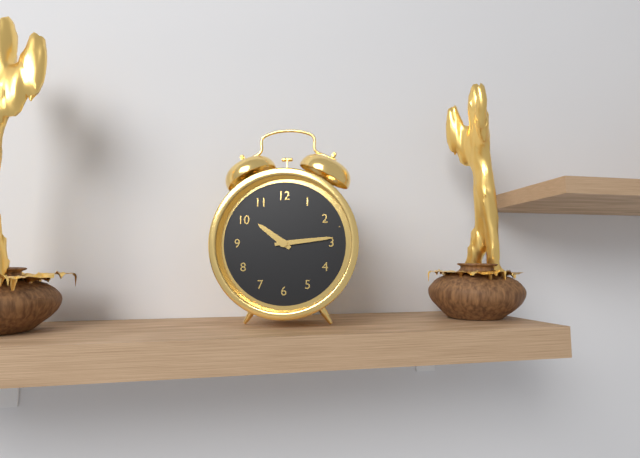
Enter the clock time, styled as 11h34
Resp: 10h14
